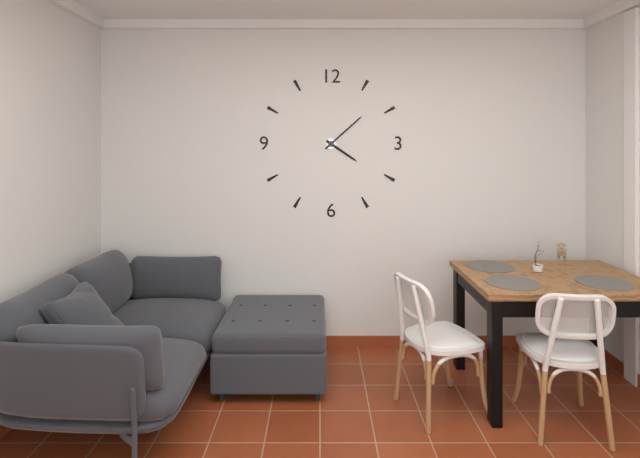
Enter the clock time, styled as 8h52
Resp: 4h08
